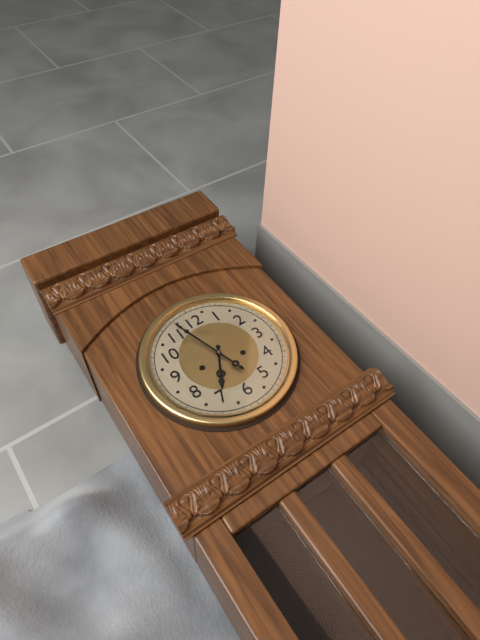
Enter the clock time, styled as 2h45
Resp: 6h57
